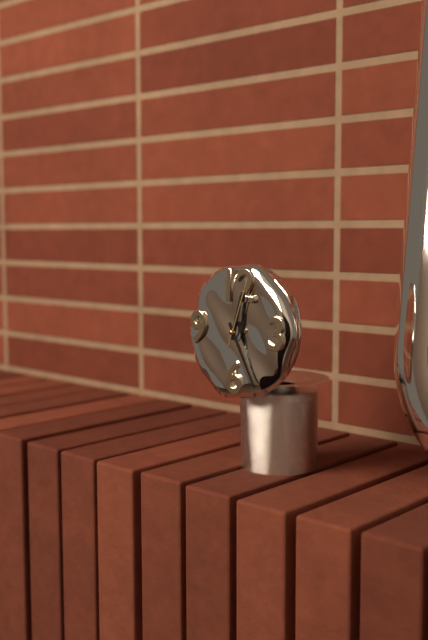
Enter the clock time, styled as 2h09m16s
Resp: 12h25m03s
